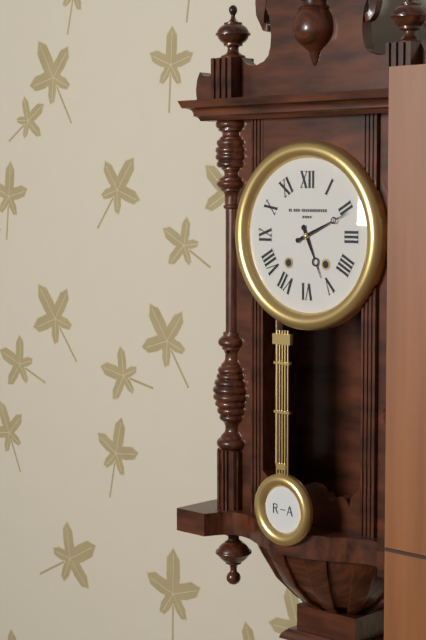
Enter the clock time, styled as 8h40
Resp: 5h11
